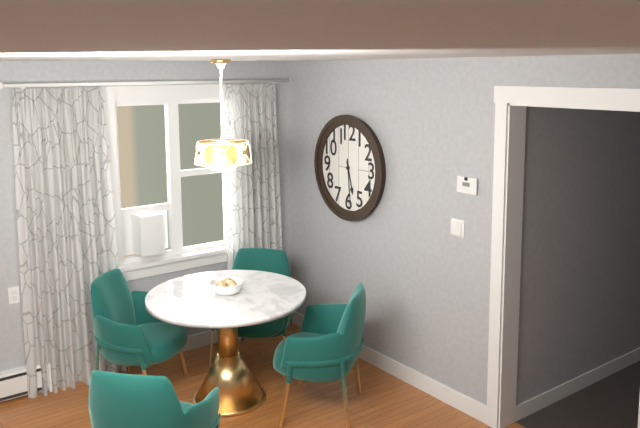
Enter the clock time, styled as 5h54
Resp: 5h29
